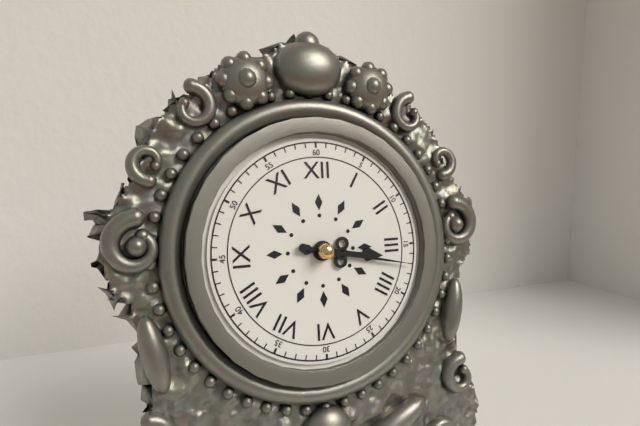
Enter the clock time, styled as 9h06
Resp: 3h17
